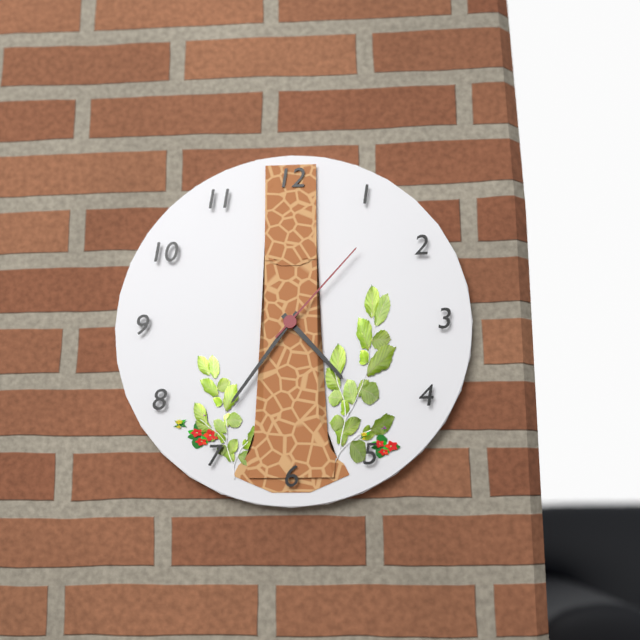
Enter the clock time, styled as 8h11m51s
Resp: 4h36m07s
